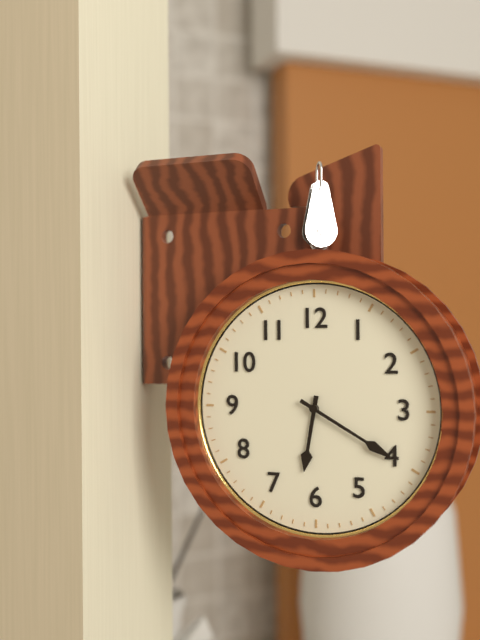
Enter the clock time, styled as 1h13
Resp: 6h20
